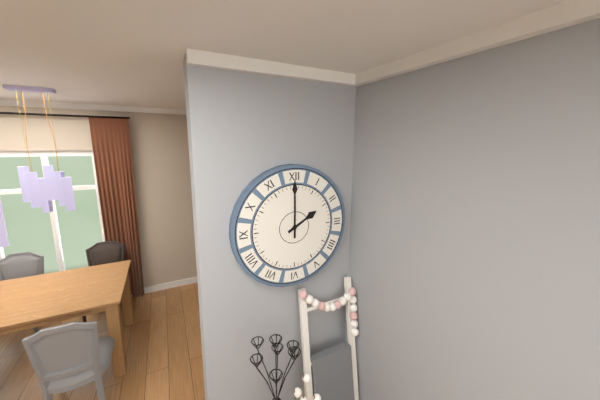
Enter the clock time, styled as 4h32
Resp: 2h00
